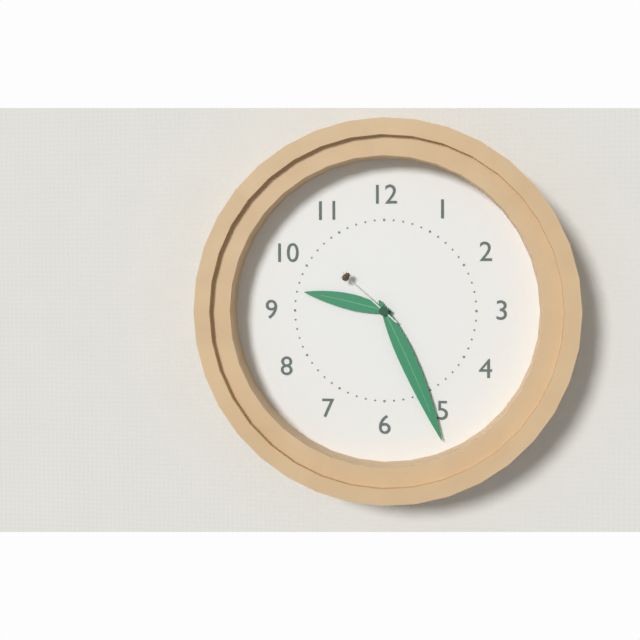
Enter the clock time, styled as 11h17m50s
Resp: 9h26m52s
